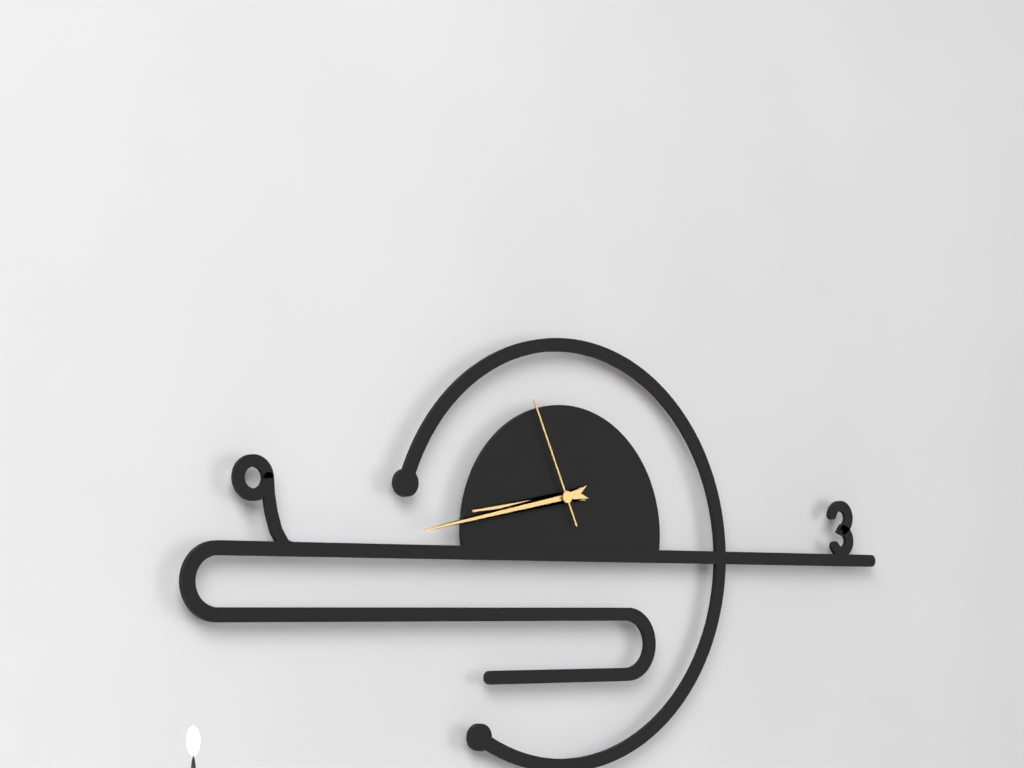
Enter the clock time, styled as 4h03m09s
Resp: 8h43m56s
